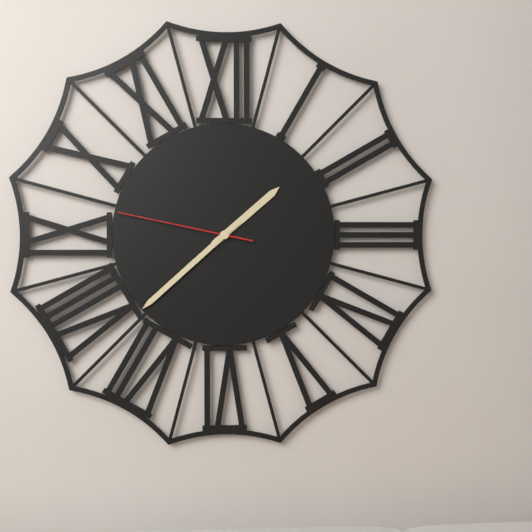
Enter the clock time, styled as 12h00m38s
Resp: 1h38m47s
